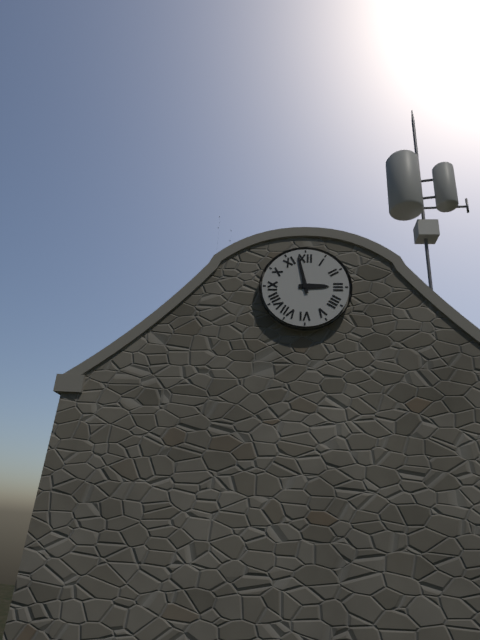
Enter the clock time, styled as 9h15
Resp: 2h58
